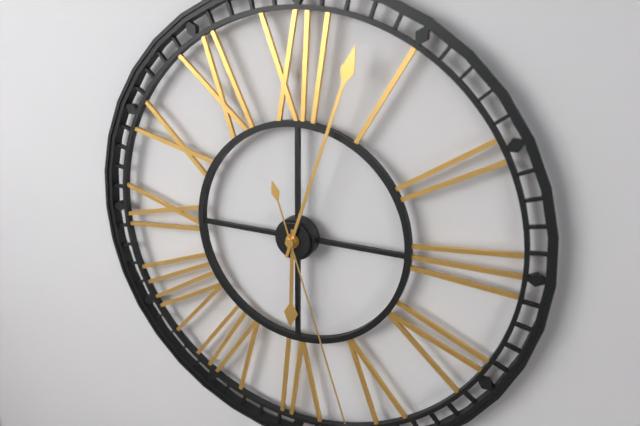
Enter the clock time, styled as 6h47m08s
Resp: 6h03m27s
